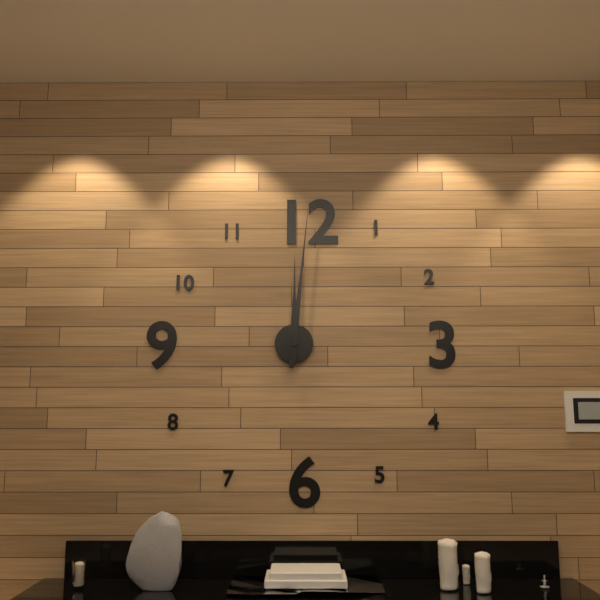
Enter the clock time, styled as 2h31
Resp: 12h01
